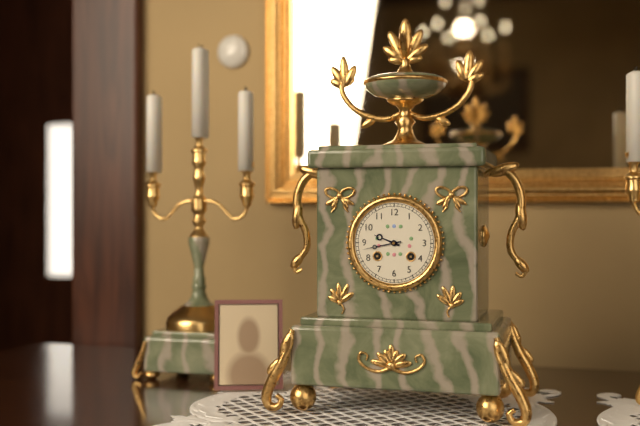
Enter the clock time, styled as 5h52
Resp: 9h43
